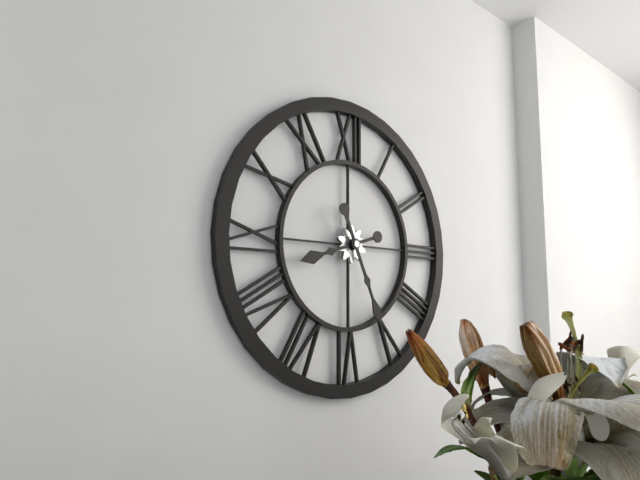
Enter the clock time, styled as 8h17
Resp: 8h26
